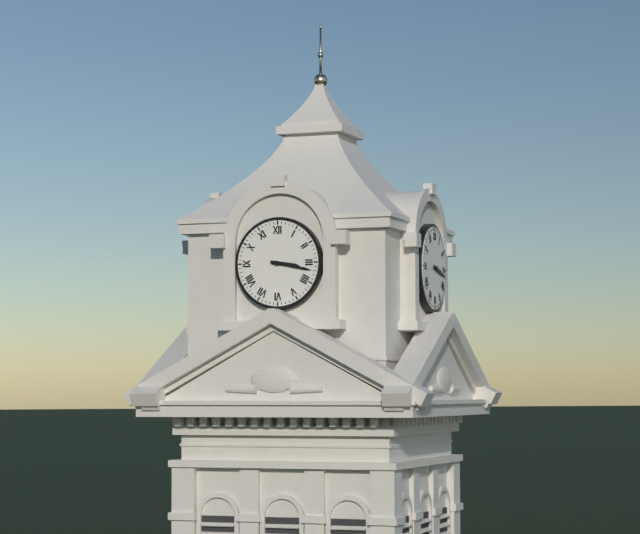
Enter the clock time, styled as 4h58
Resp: 3h17
